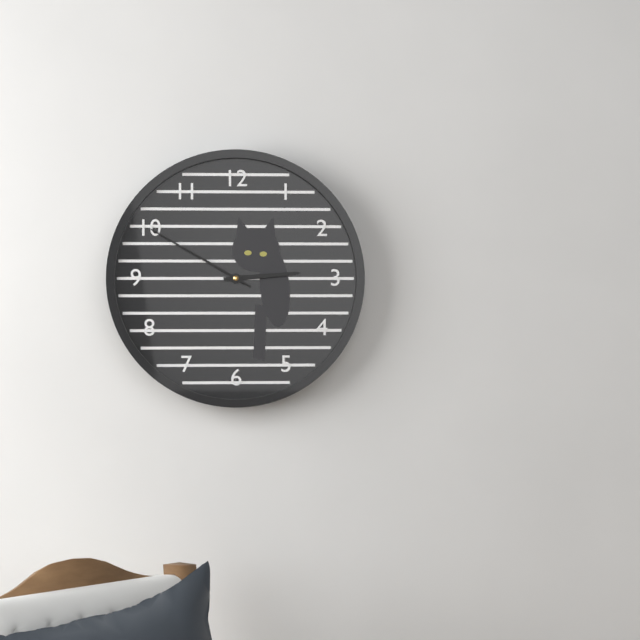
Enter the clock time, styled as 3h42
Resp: 2h50
